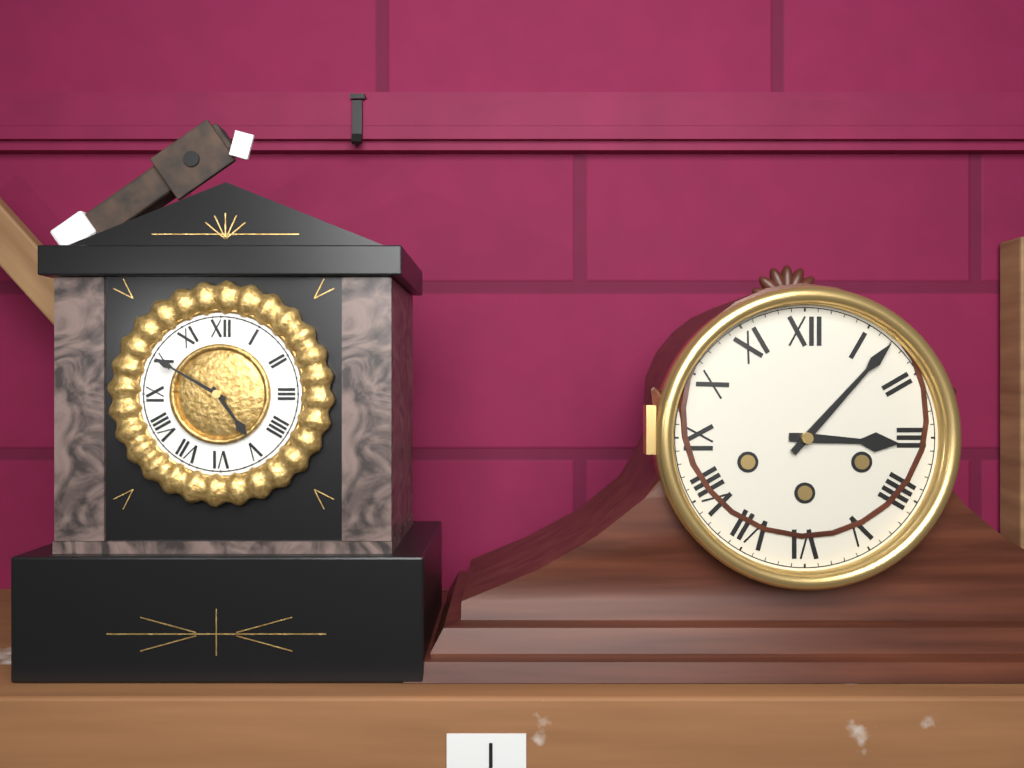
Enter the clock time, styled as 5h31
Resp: 3h07
